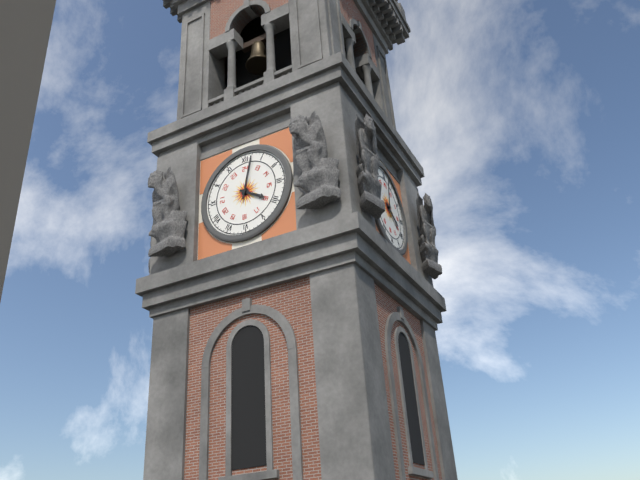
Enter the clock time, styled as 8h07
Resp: 4h02
